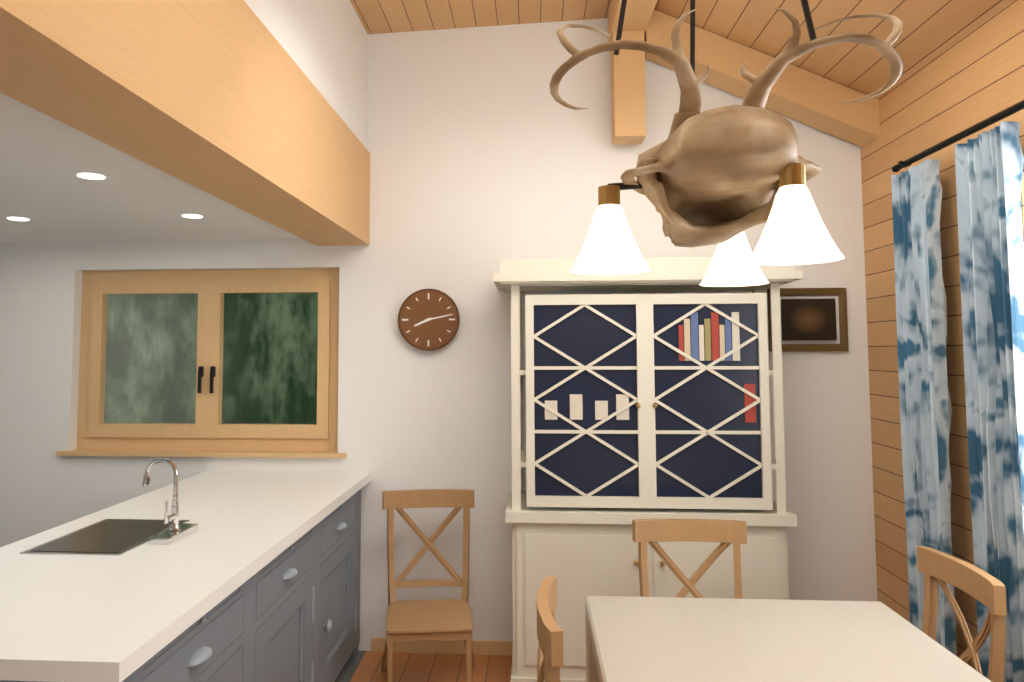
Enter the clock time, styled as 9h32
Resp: 8h13
